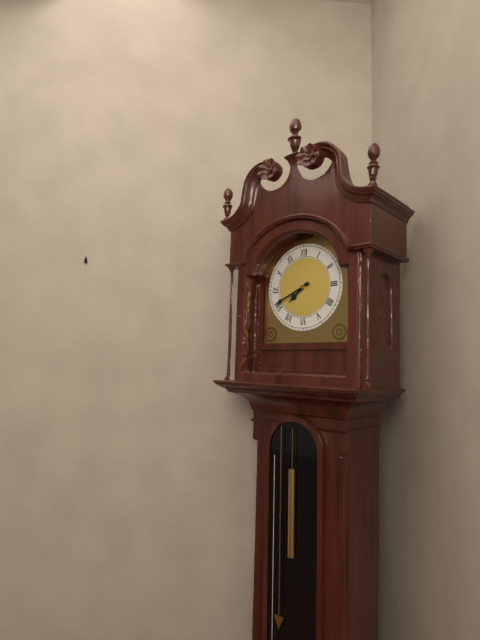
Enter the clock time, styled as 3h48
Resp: 7h41
